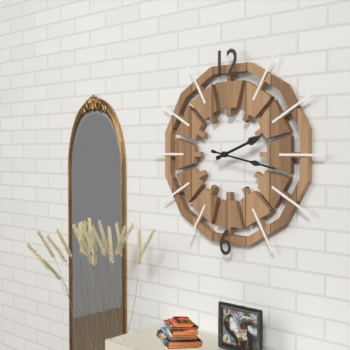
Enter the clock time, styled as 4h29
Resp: 2h17
